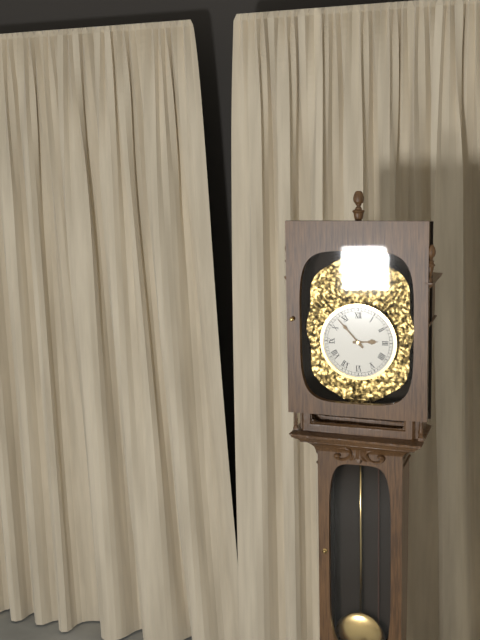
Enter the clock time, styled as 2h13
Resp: 2h53
